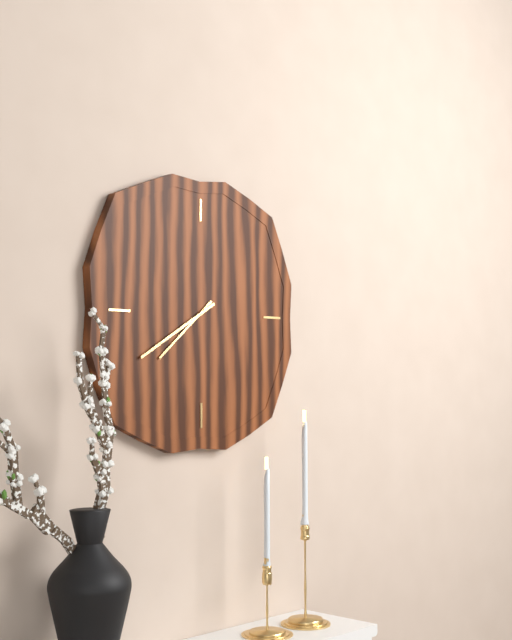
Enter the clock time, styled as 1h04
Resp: 7h40
